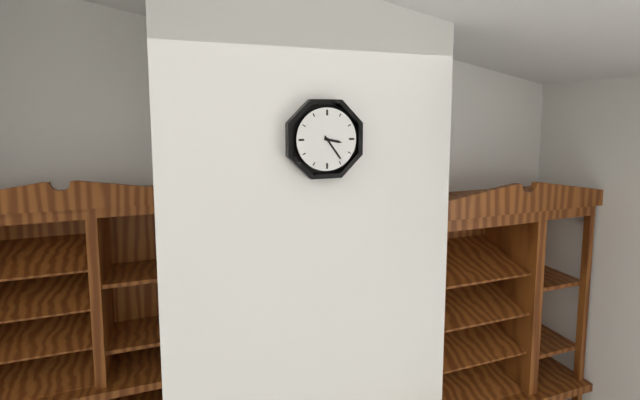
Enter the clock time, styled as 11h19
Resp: 3h24
